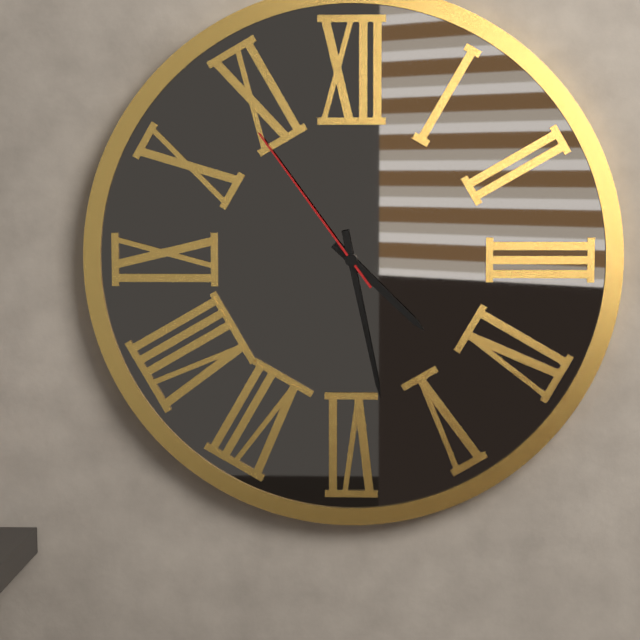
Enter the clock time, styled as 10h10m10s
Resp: 4h28m54s
